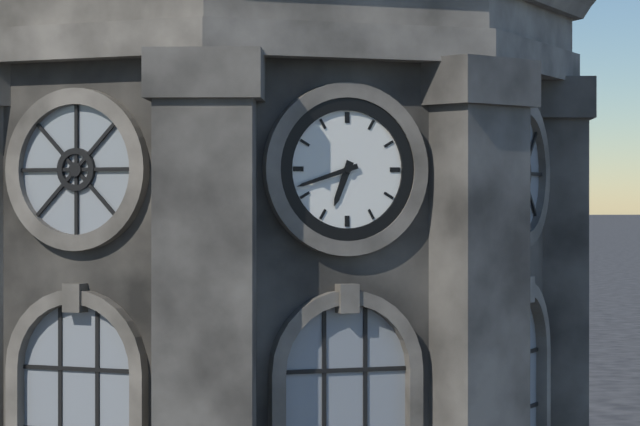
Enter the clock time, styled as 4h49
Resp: 6h42
